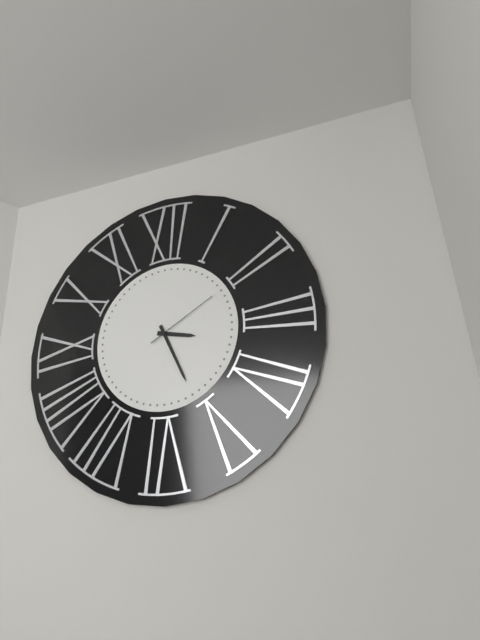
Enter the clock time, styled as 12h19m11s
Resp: 3h26m10s
